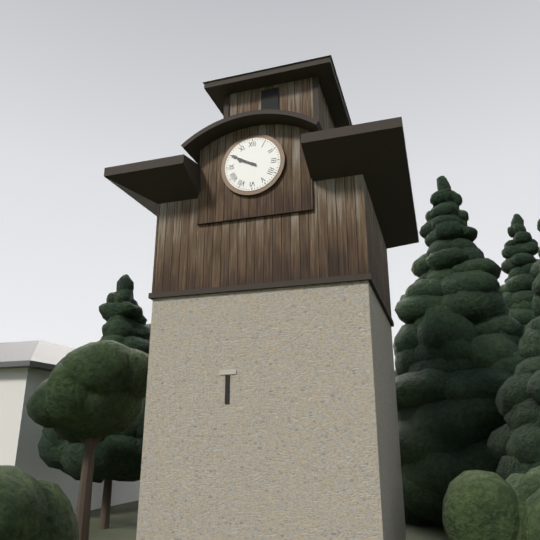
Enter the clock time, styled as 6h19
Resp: 9h50
